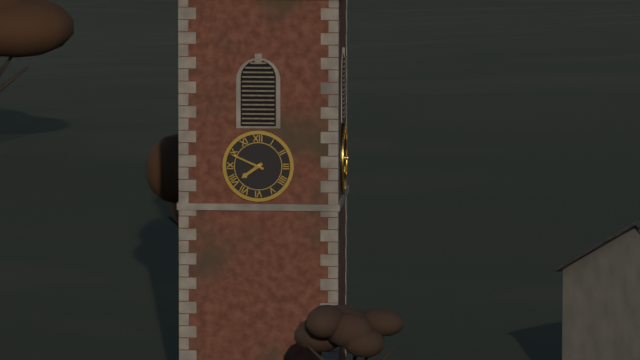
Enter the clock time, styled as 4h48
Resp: 7h49
